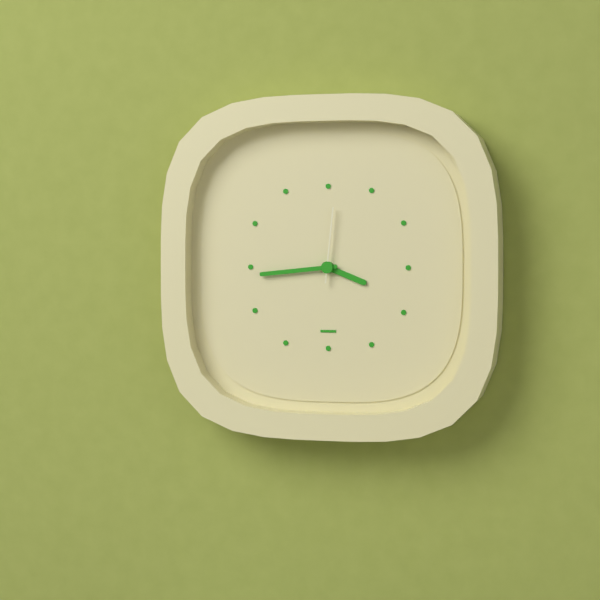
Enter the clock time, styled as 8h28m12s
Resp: 3h44m01s
